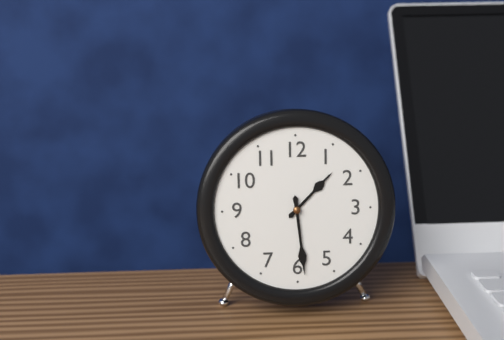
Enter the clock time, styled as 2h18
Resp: 1h29
